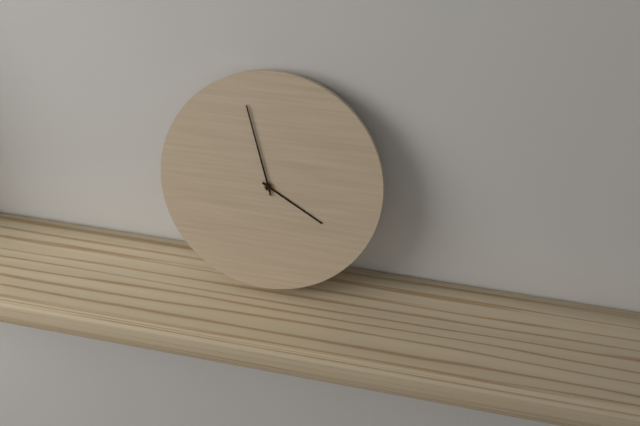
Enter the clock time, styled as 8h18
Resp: 3h57
